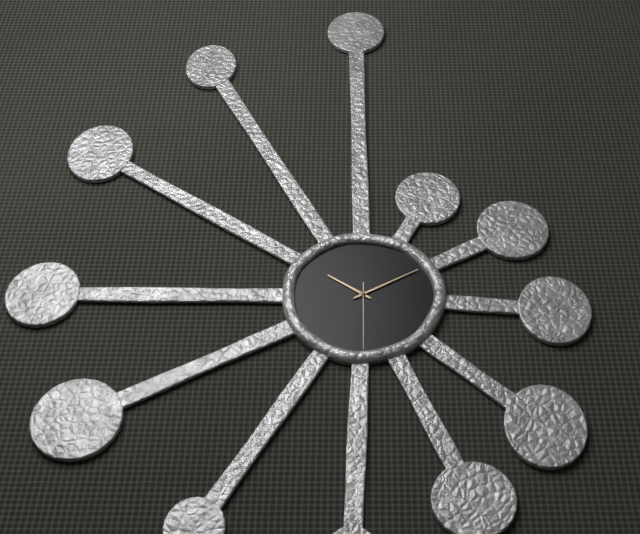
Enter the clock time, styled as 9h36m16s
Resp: 10h10m30s
